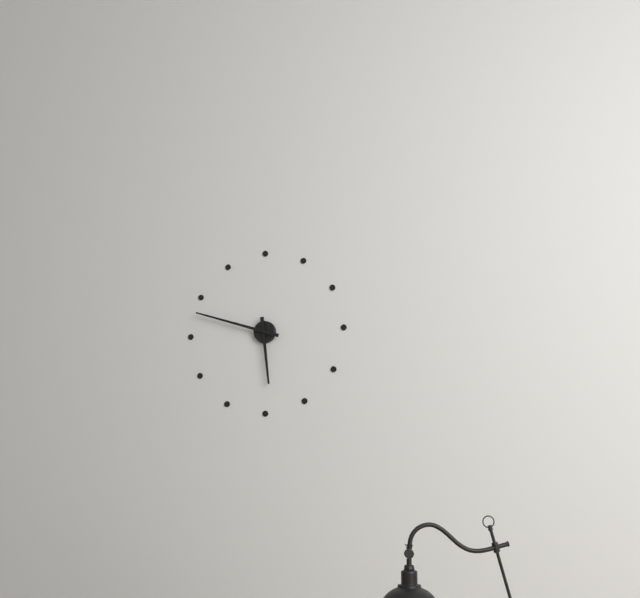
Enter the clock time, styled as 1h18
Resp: 5h48
